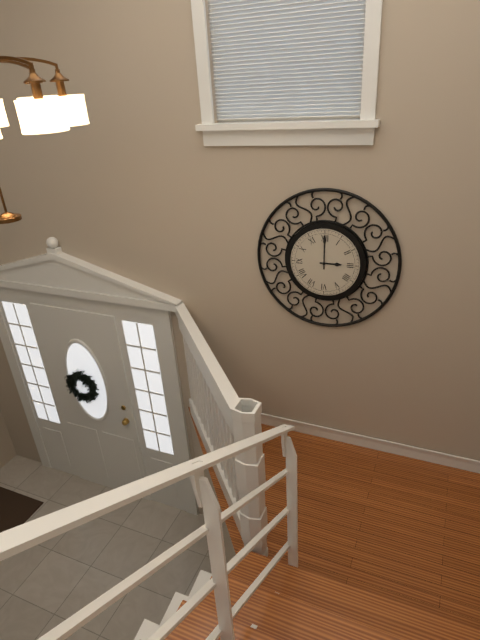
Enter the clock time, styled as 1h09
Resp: 3h00
